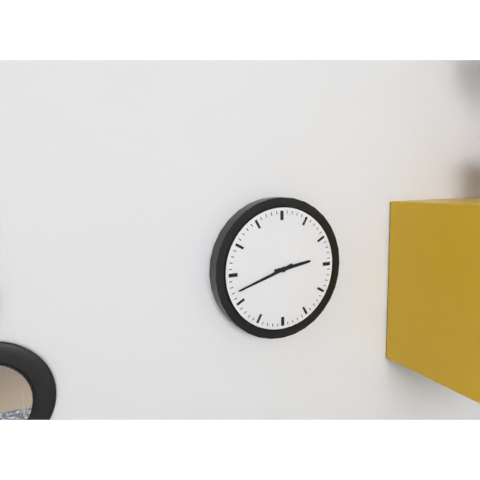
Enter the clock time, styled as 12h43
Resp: 2h42
